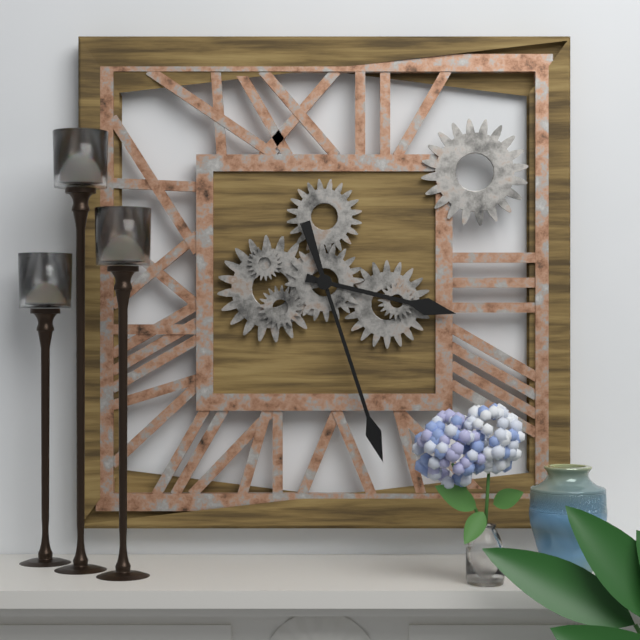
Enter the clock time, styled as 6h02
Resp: 3h27
